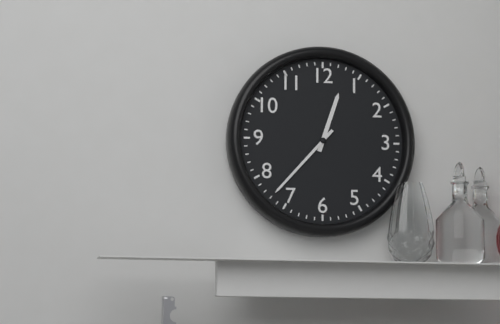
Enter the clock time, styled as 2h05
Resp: 12h37
